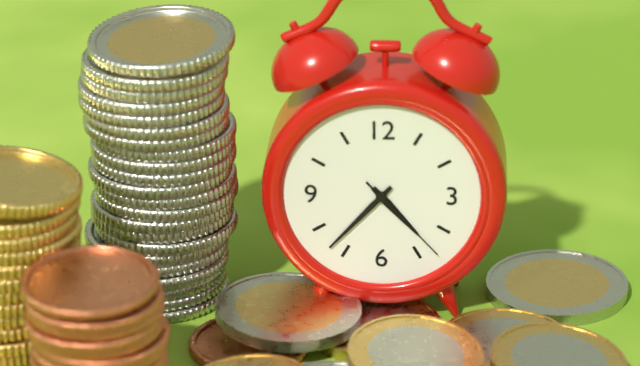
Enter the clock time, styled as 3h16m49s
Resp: 4h37m23s
